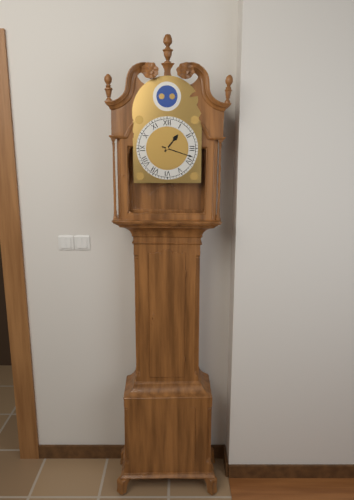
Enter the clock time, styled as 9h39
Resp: 1h18
